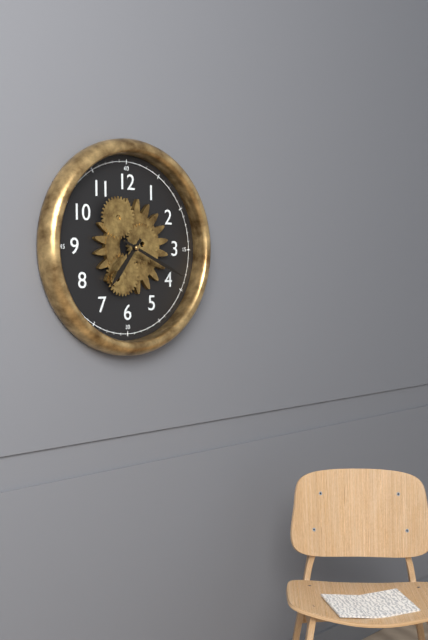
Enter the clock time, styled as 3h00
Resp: 7h19
